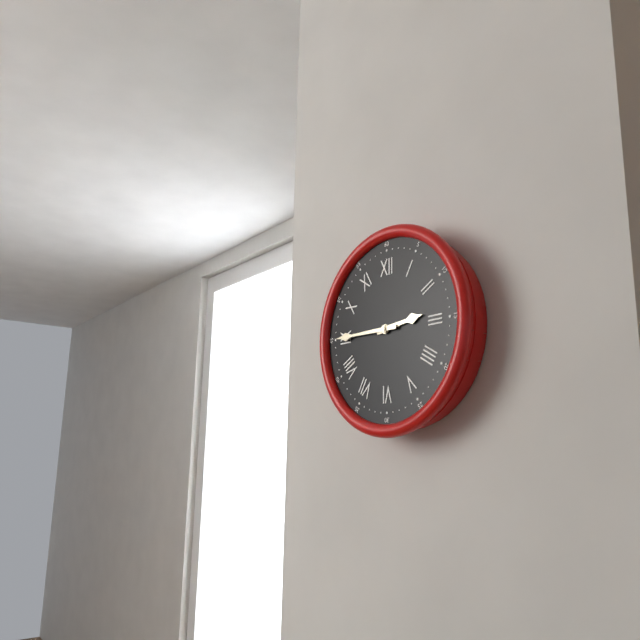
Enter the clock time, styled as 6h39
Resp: 2h45
